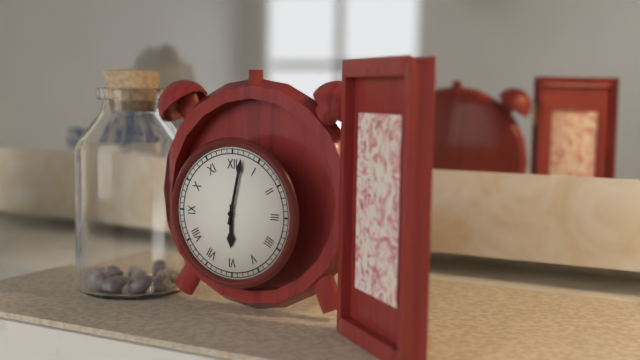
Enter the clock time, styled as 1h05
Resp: 6h02
